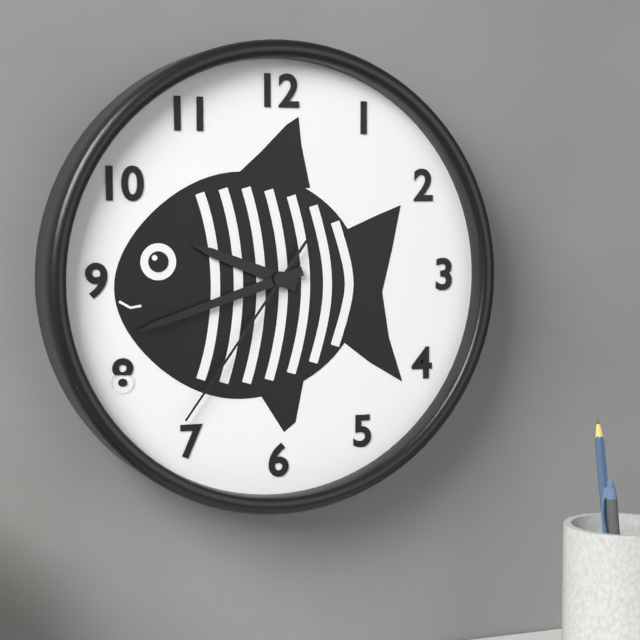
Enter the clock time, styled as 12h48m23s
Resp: 9h42m36s
